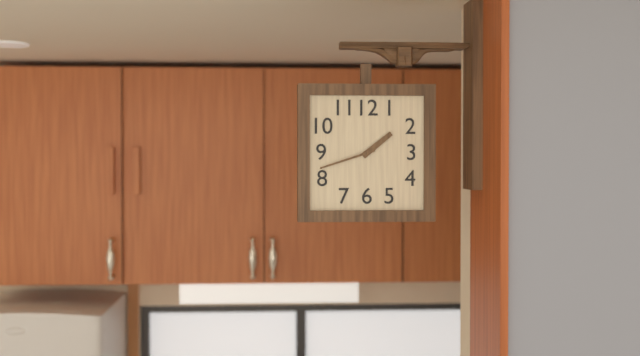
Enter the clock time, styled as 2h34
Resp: 1h42
